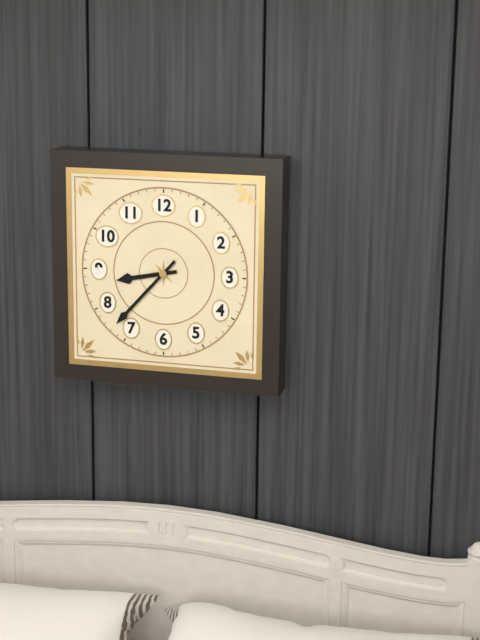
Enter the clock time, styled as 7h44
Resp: 8h37
